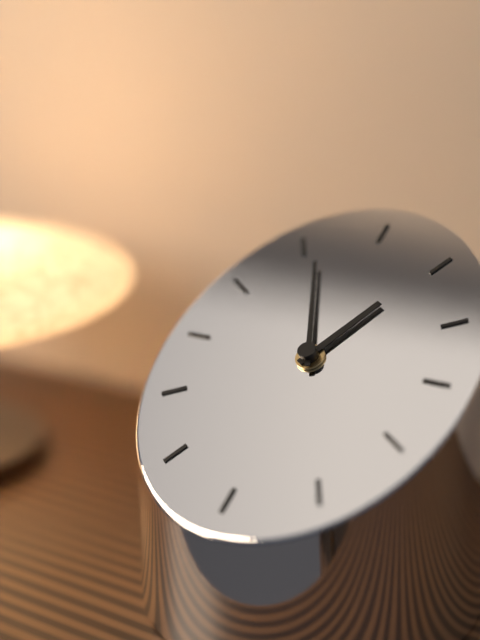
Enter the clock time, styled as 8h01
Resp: 12h56
